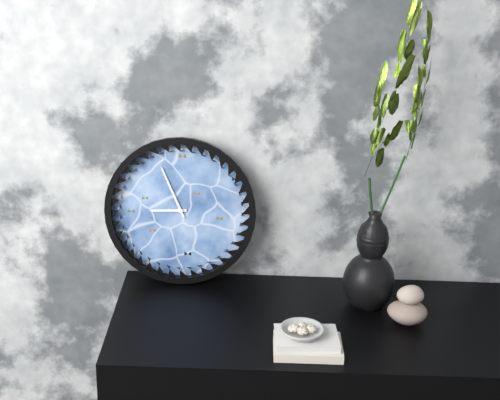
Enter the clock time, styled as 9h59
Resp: 8h56
